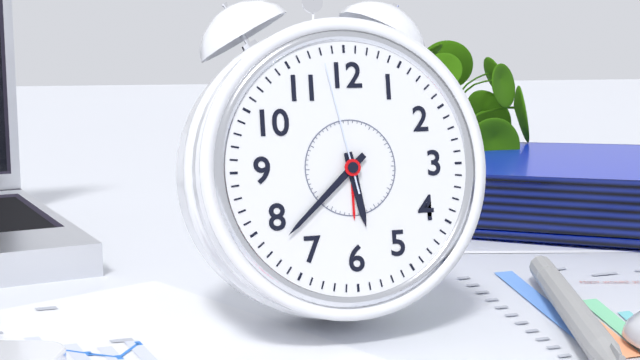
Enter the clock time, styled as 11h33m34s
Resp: 5h38m58s
